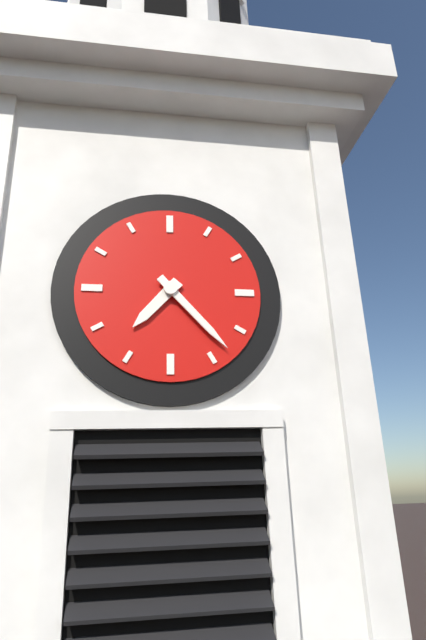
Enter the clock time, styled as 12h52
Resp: 7h23
